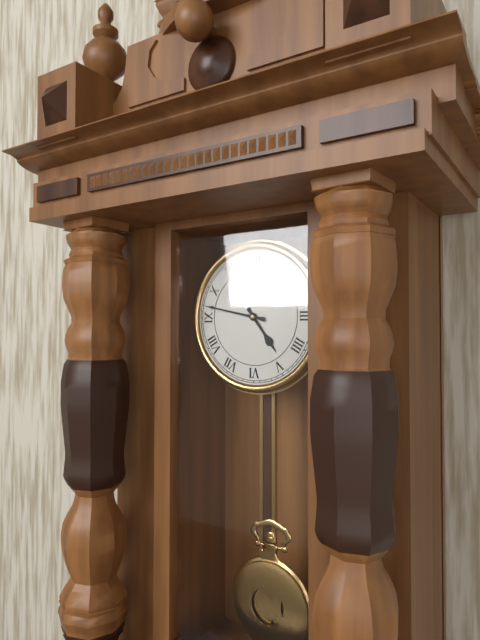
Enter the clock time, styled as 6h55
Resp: 4h47
